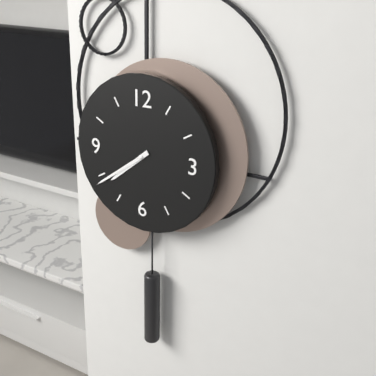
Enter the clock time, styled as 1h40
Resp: 7h39
